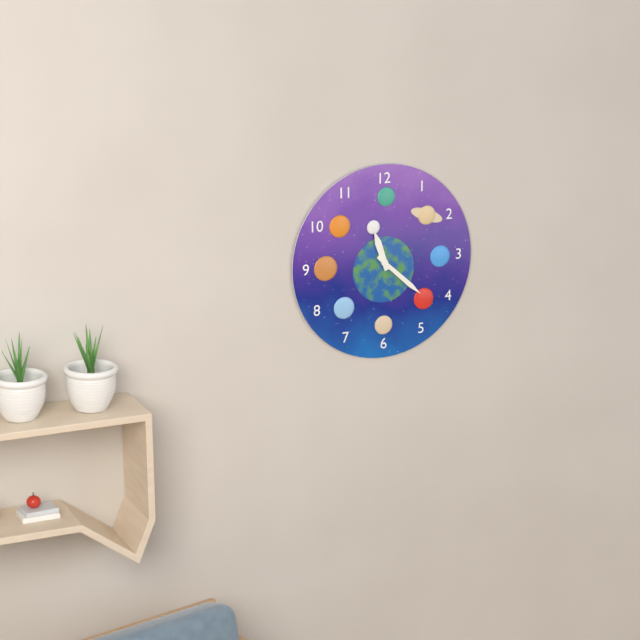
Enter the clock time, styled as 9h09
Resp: 11h22
